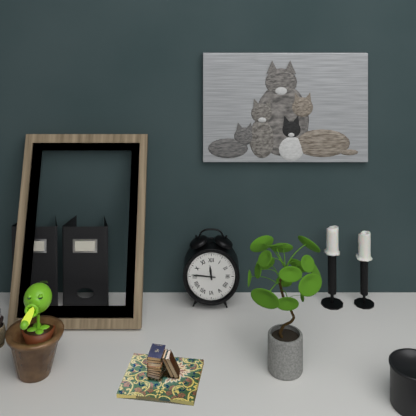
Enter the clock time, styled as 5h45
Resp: 11h46
